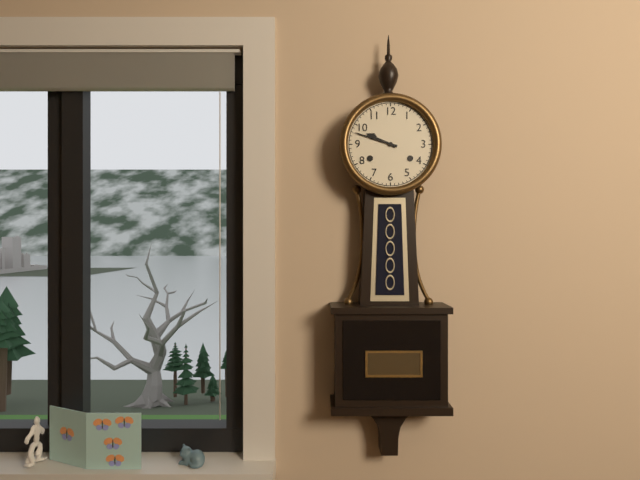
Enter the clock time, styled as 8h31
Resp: 9h48
